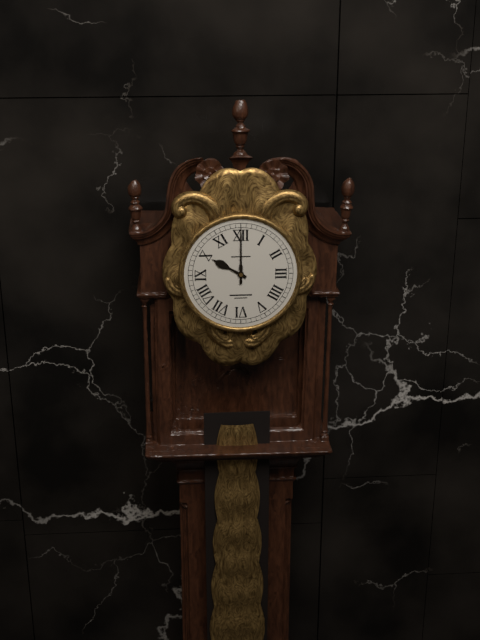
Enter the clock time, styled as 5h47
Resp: 10h00
